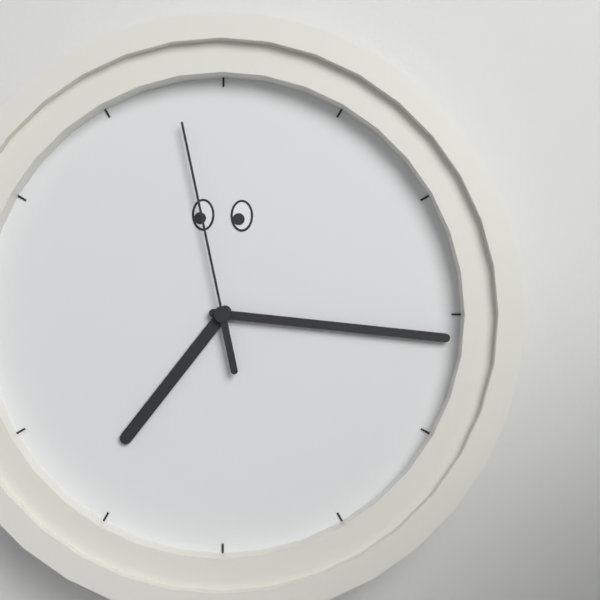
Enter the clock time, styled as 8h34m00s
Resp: 7h16m58s
